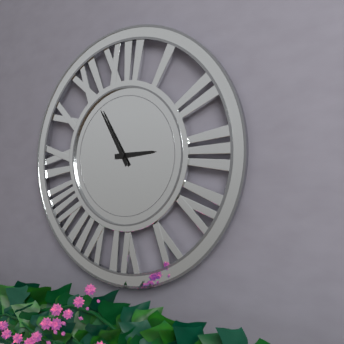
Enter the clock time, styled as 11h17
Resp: 2h55
